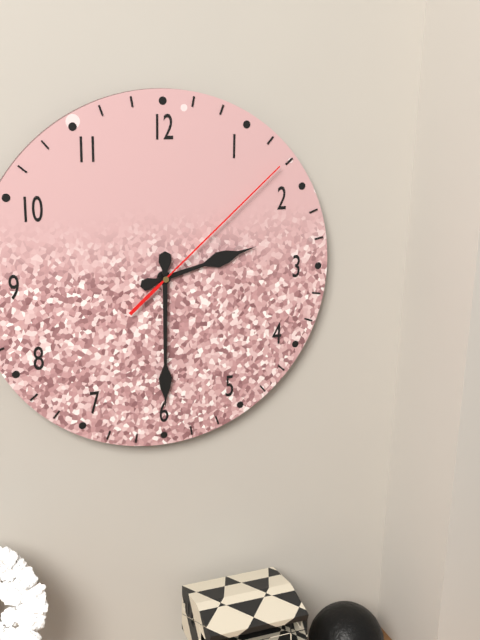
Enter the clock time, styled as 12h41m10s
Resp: 2h30m08s
